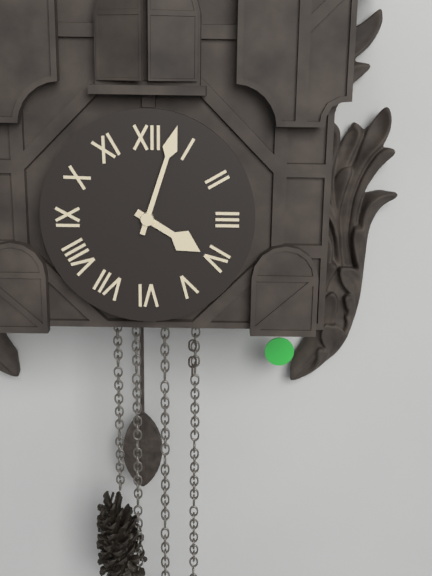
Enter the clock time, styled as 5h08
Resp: 4h03
